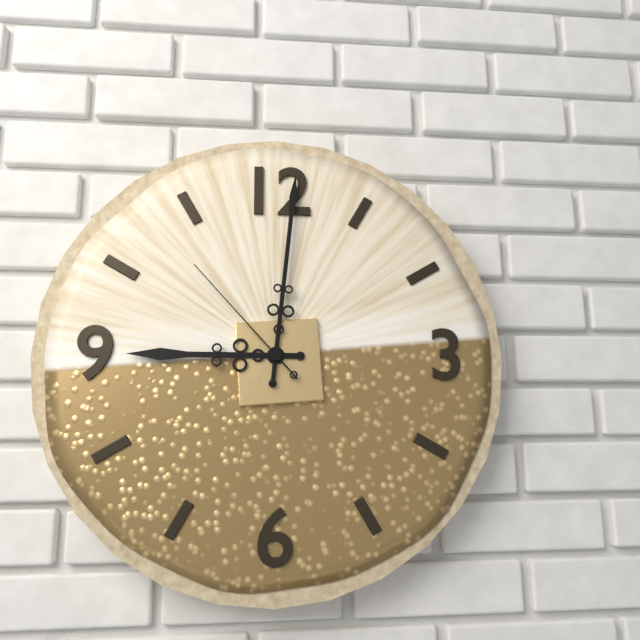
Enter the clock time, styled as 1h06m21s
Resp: 9h01m53s
